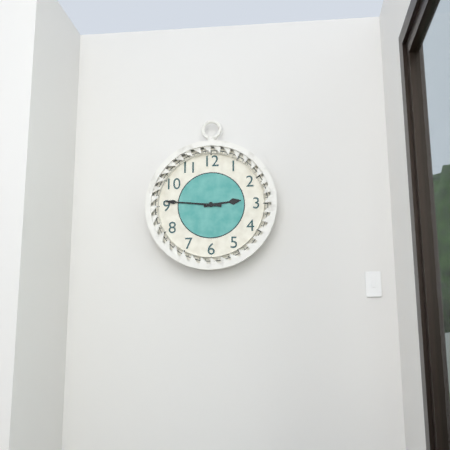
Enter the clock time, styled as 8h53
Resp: 2h46
